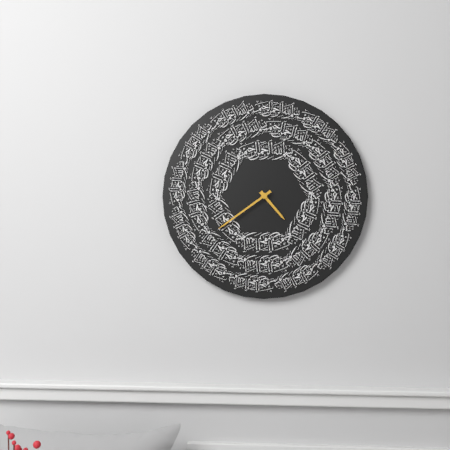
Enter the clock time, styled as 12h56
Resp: 4h39
